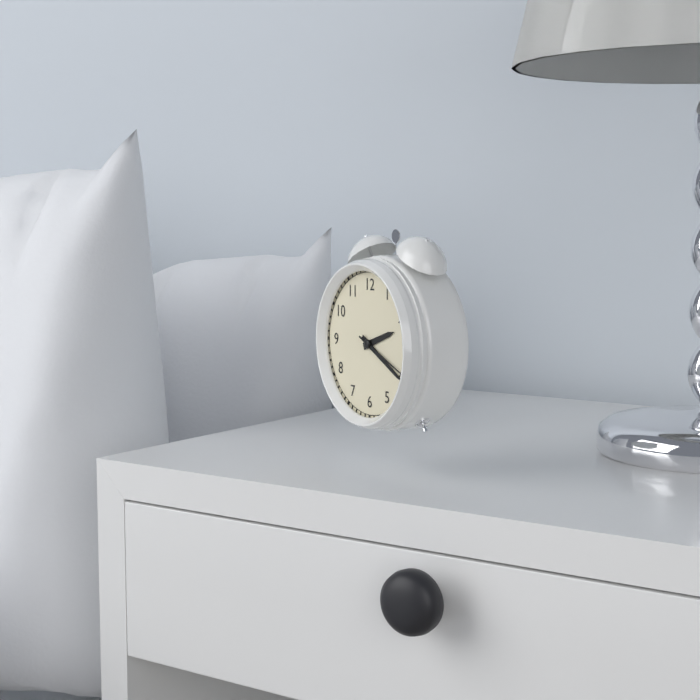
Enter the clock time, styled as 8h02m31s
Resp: 2h20m19s
